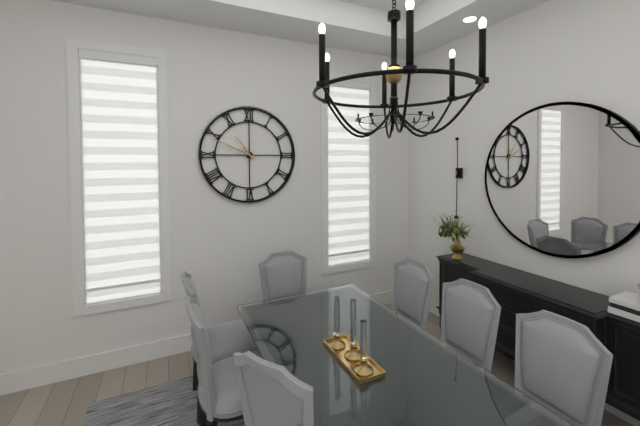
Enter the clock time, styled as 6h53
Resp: 10h49
